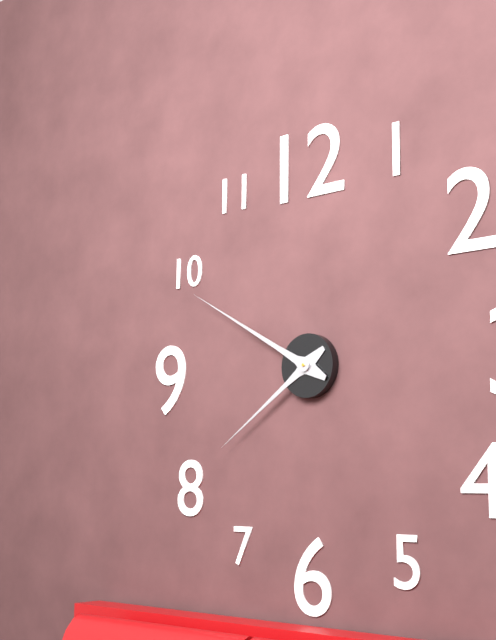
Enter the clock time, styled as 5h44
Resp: 7h50
